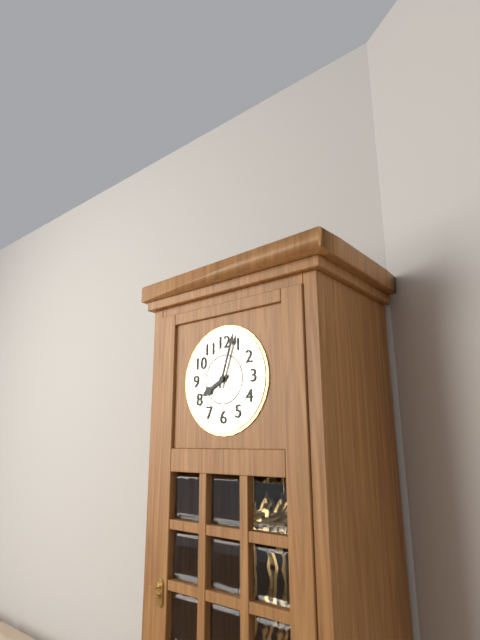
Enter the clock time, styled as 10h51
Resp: 8h03
